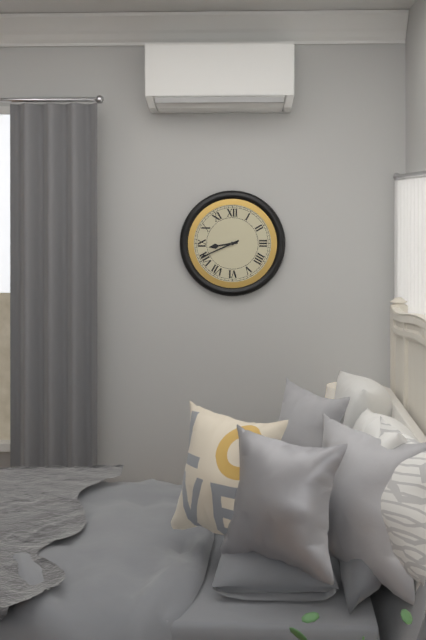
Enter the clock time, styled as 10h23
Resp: 8h41
